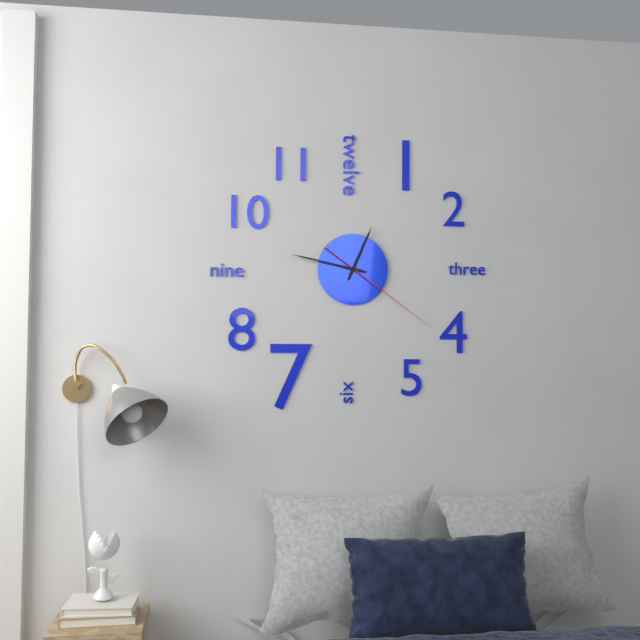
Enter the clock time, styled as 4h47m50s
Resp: 12h47m21s
